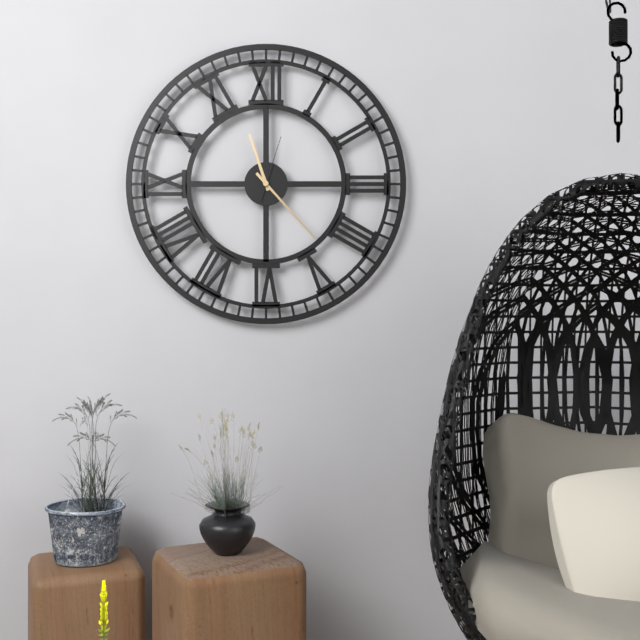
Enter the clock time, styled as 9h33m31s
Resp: 11h23m03s
